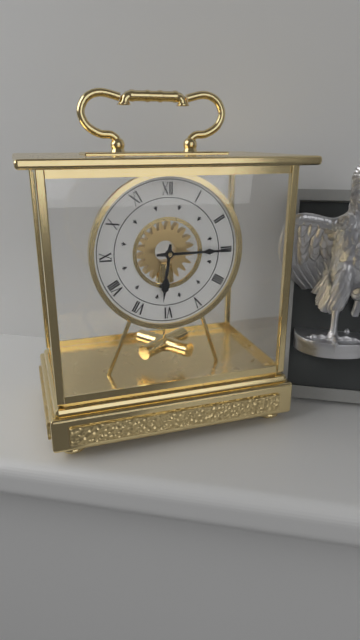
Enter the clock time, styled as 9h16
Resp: 6h15
